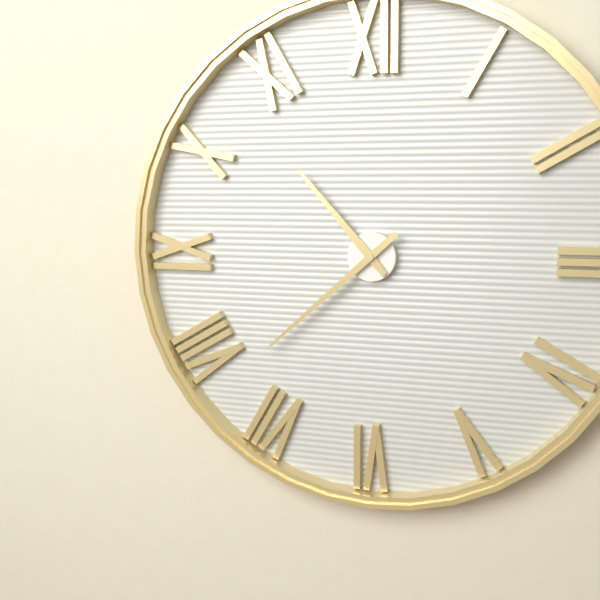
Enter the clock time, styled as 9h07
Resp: 10h38
